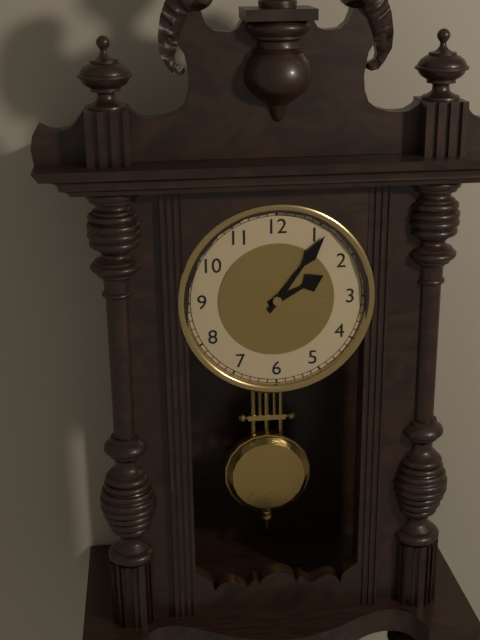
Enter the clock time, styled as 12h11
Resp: 2h06
